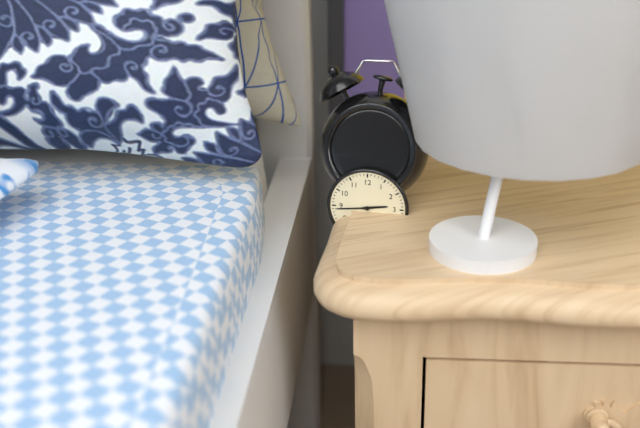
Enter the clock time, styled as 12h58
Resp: 2h44
